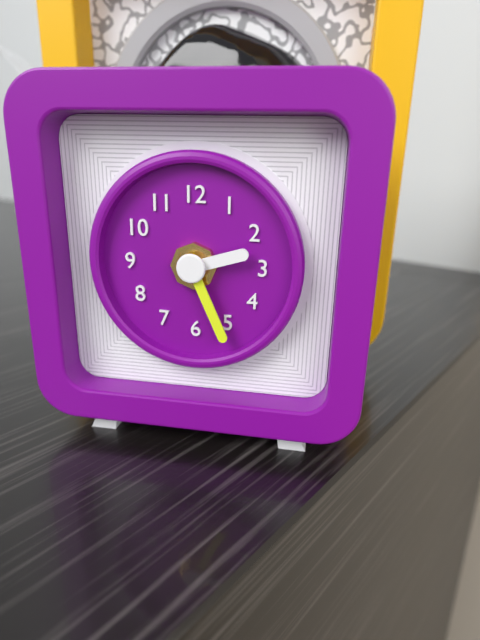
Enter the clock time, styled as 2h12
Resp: 2h26
